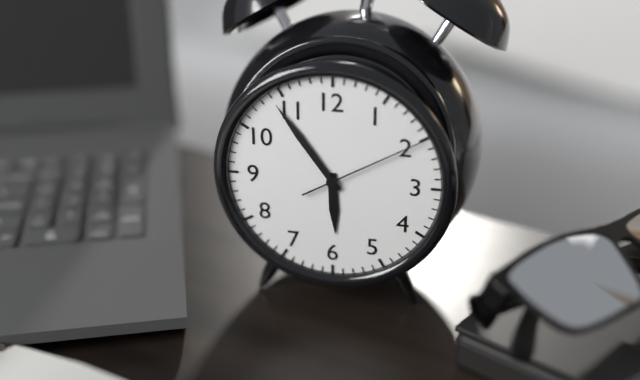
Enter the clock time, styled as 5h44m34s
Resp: 5h54m10s
